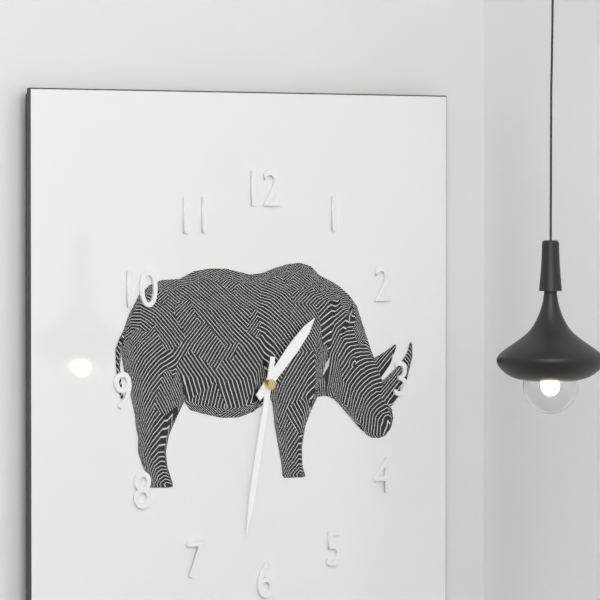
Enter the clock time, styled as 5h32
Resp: 1h32
